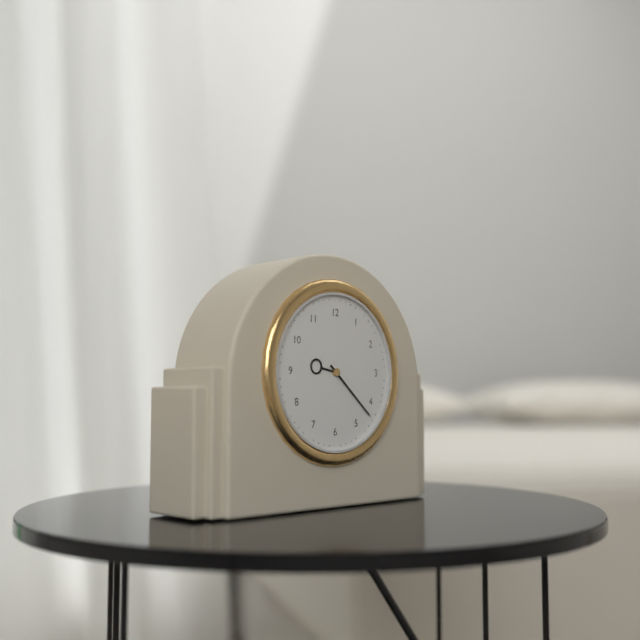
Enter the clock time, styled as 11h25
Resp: 9h22
